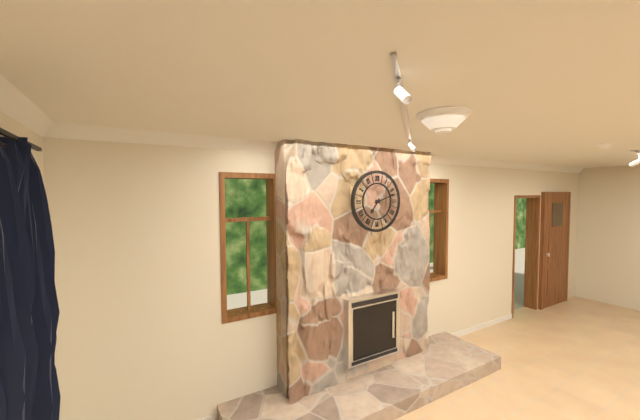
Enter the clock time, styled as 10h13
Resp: 7h12
